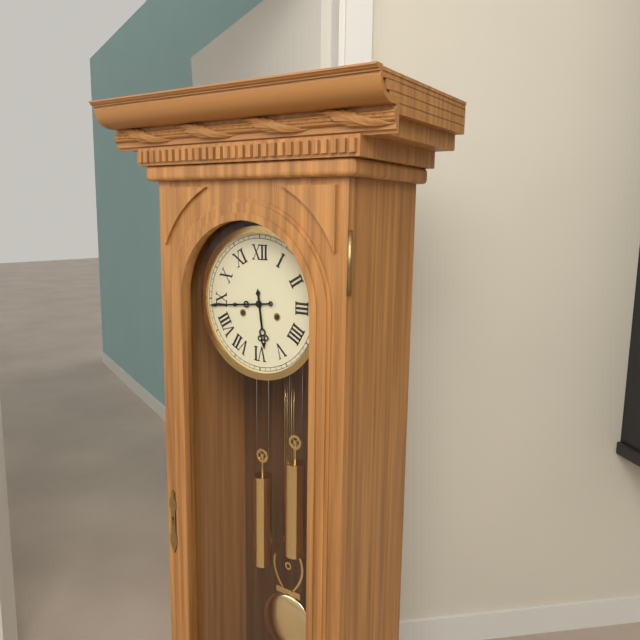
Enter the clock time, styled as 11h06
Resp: 5h44
